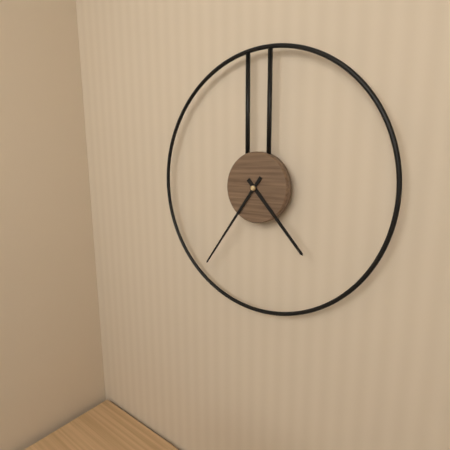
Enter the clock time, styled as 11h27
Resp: 4h36
